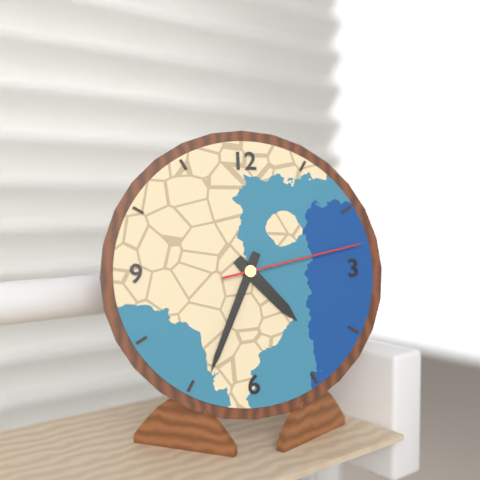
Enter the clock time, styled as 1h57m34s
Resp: 4h34m13s
